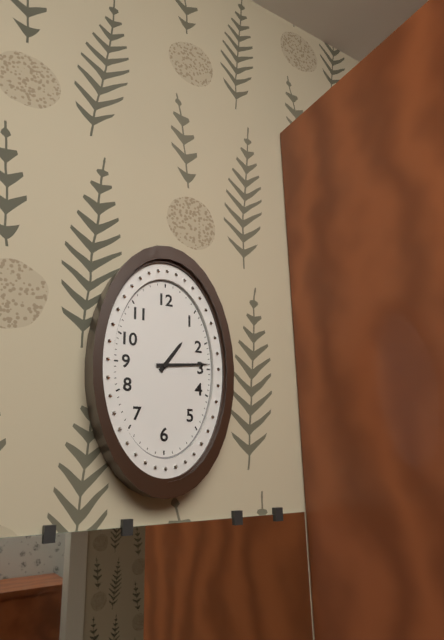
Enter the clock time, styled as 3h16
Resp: 1h14
